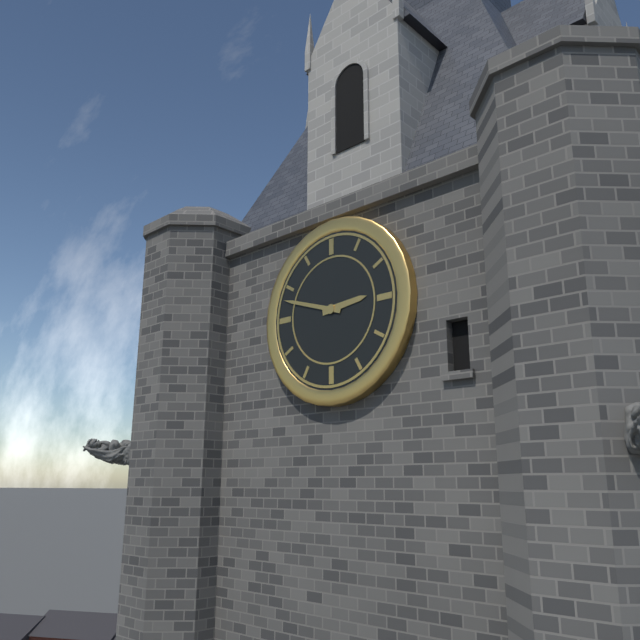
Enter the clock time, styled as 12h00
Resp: 2h48
